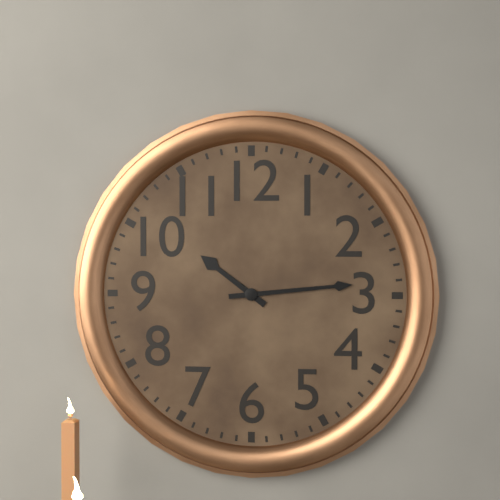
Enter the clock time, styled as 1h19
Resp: 10h14
